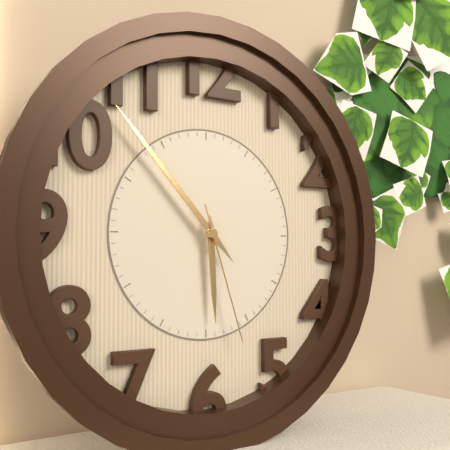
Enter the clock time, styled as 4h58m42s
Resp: 5h53m27s
